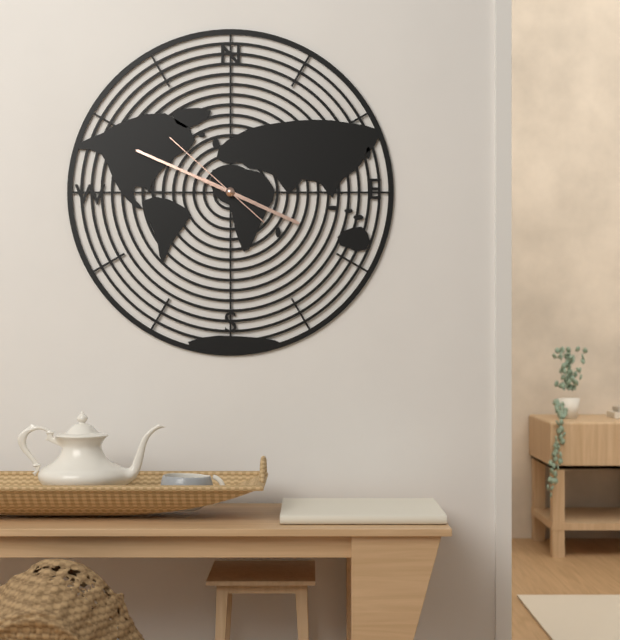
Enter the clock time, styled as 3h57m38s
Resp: 3h49m52s
